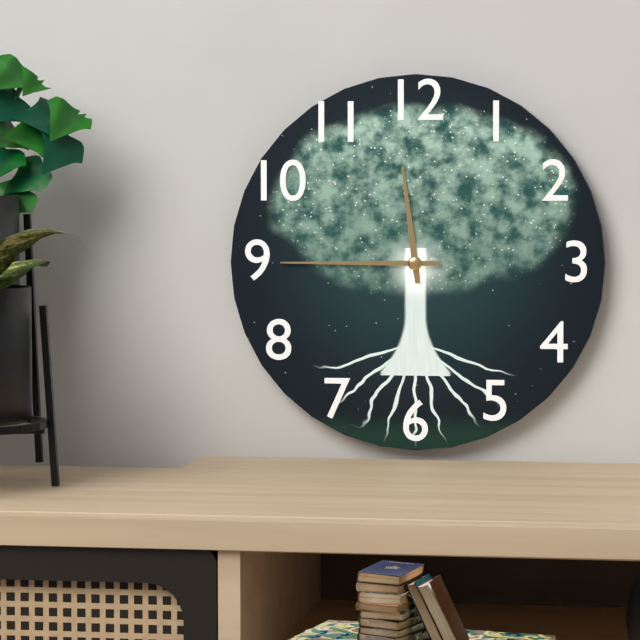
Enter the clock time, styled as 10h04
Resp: 11h45
